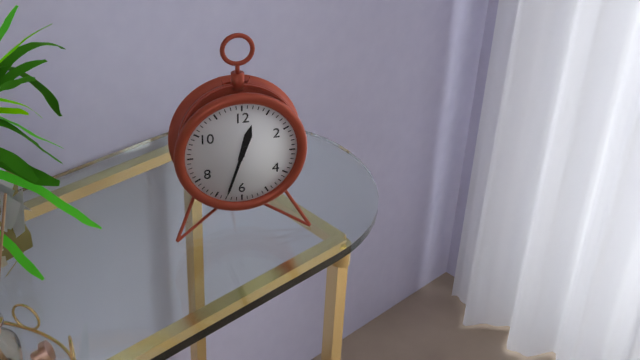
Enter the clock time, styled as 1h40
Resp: 12h33
